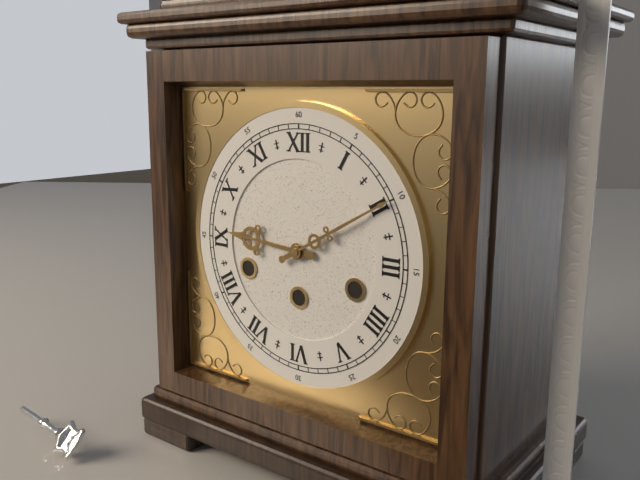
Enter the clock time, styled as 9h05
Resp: 9h10
